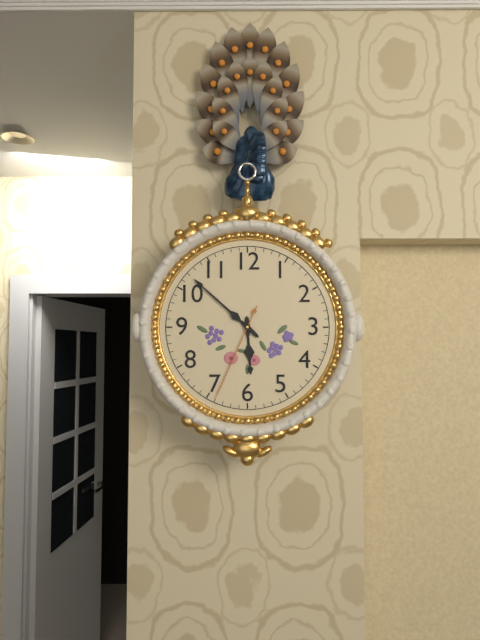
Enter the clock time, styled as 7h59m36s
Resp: 5h52m34s
